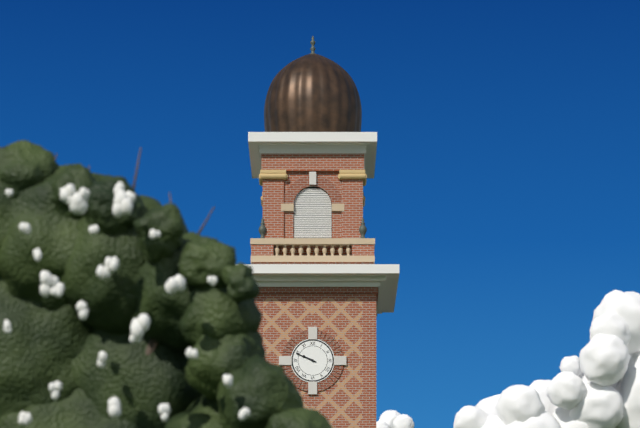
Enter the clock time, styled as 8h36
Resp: 9h49
